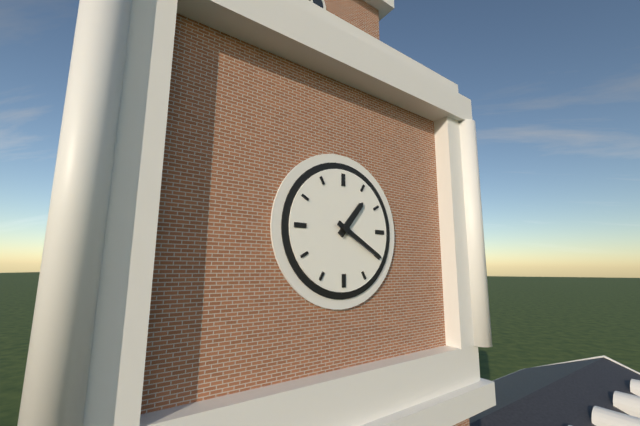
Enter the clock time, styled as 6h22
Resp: 1h20
